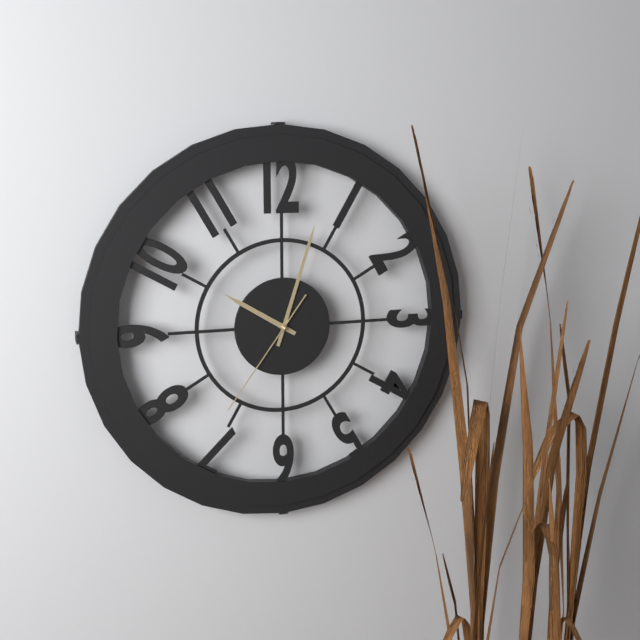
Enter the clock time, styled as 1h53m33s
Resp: 10h03m36s
